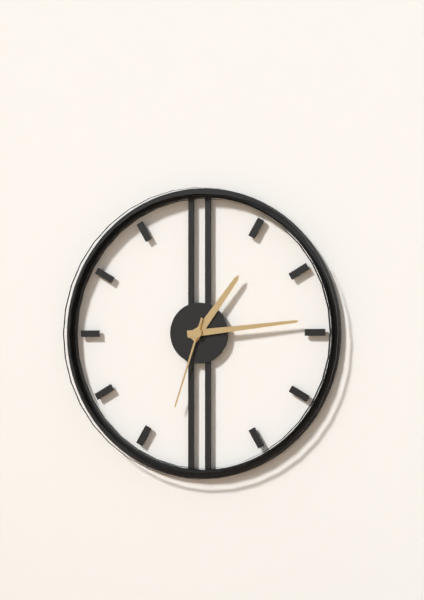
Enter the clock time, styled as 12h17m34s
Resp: 1h14m33s
